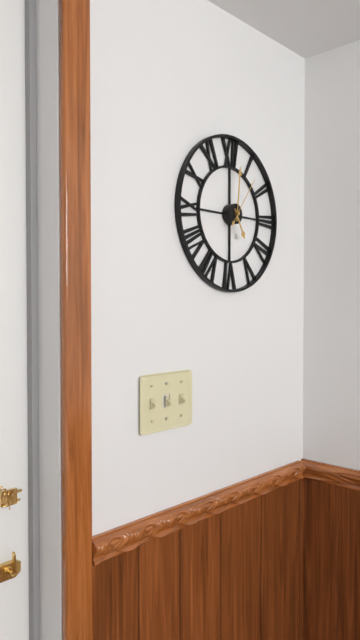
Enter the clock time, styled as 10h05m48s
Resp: 5h01m06s
